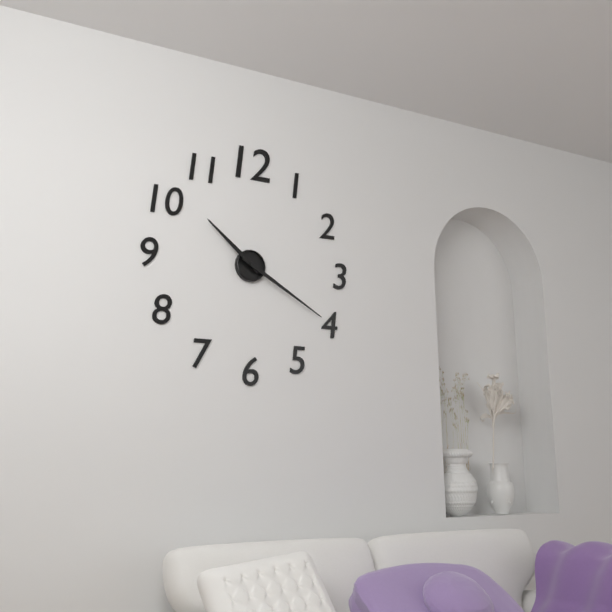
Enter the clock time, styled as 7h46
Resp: 10h20
